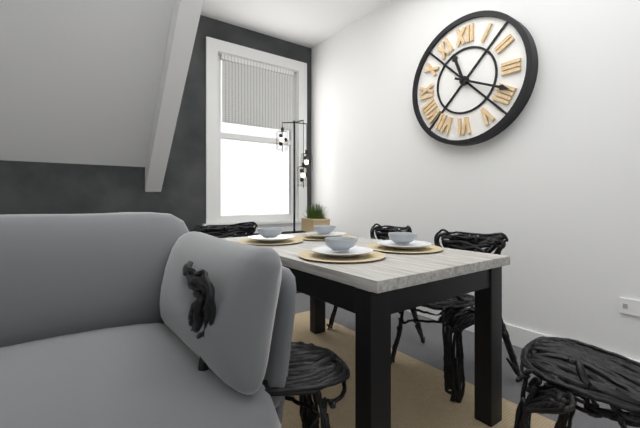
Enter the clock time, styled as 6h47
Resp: 11h19
